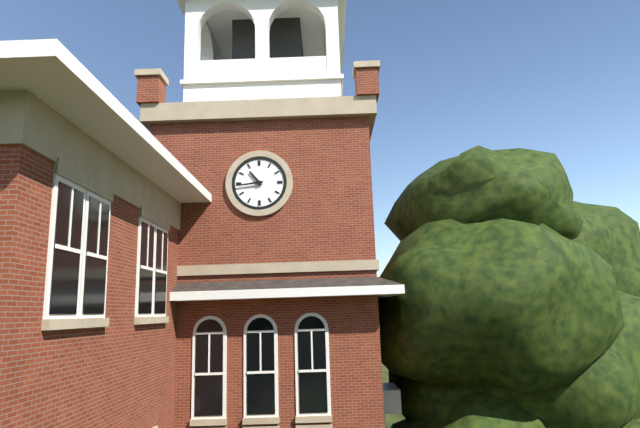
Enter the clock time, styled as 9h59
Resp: 10h44
